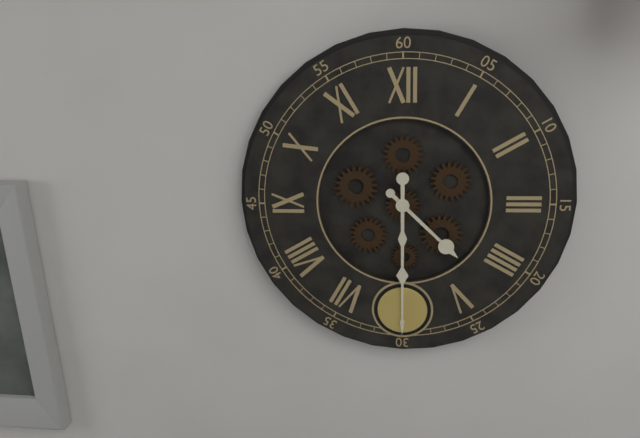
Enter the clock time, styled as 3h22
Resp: 4h30
